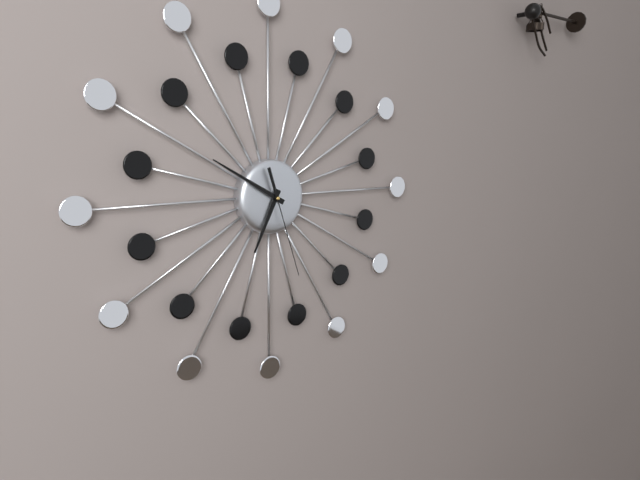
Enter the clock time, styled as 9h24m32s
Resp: 6h50m27s
